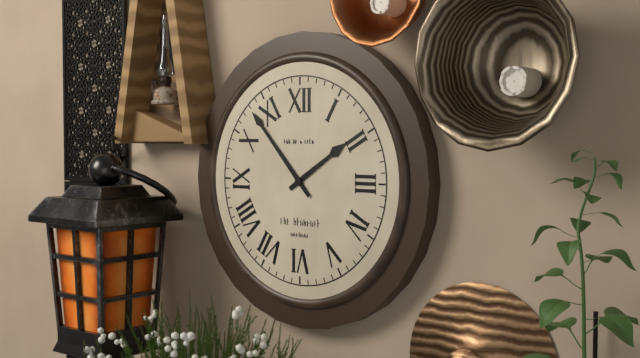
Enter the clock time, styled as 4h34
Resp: 1h53
